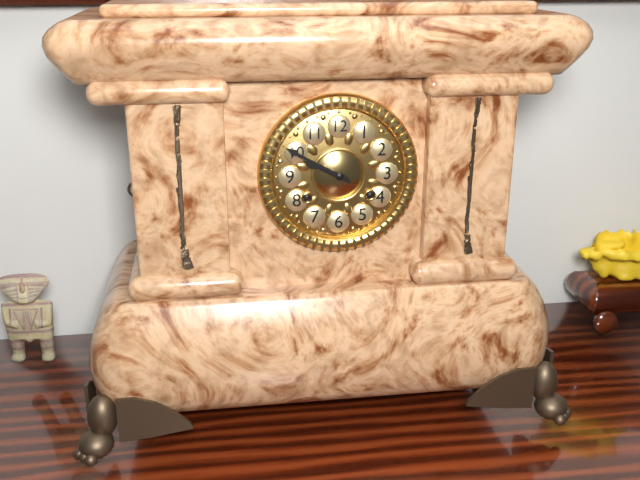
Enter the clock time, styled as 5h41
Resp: 9h50
